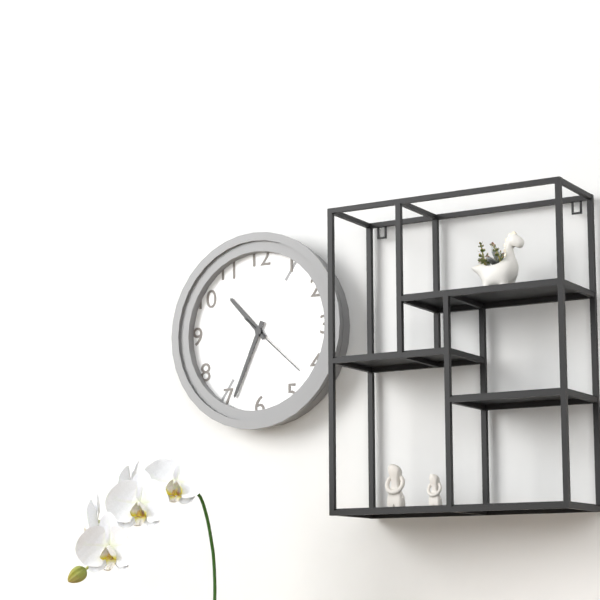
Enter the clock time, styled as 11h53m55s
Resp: 10h34m22s
